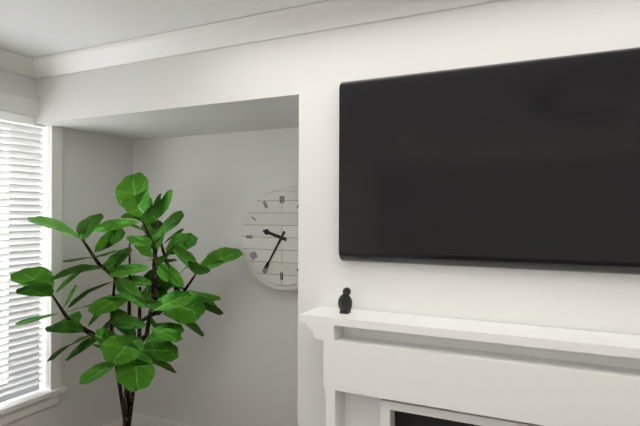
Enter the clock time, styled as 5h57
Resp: 9h35
